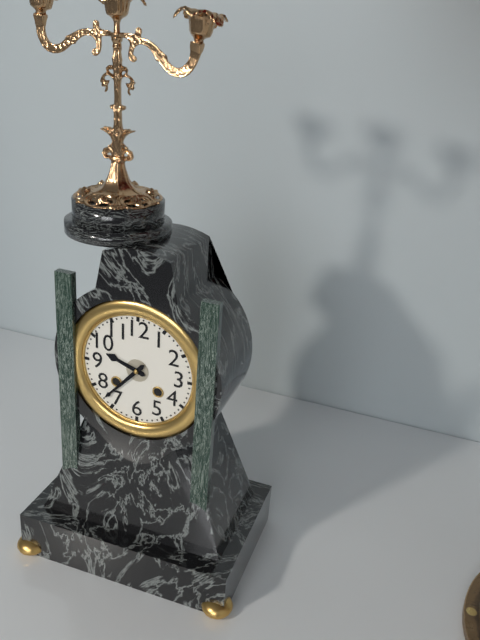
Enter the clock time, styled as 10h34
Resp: 9h37
